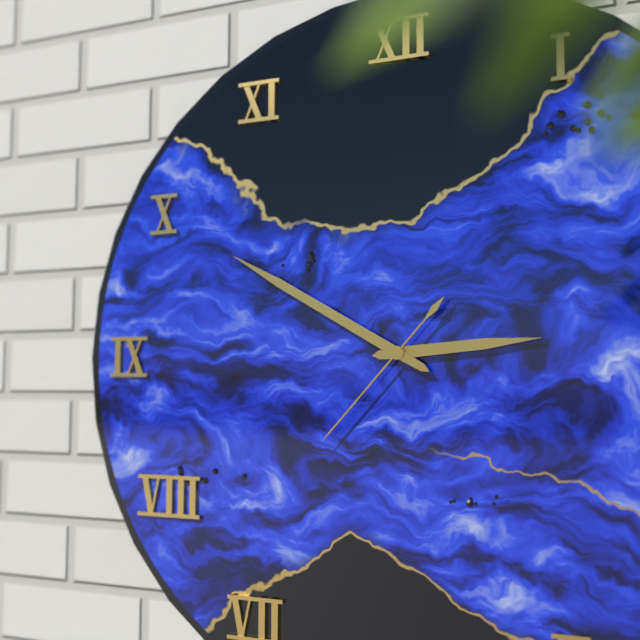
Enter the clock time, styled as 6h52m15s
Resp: 2h50m37s
